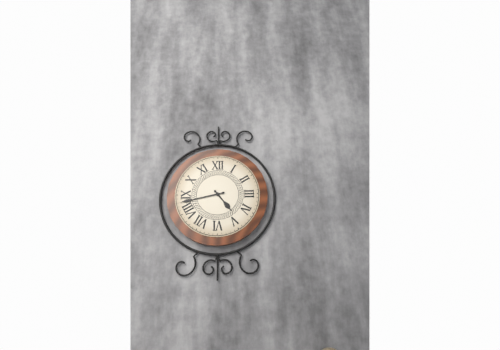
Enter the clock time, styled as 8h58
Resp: 4h43
